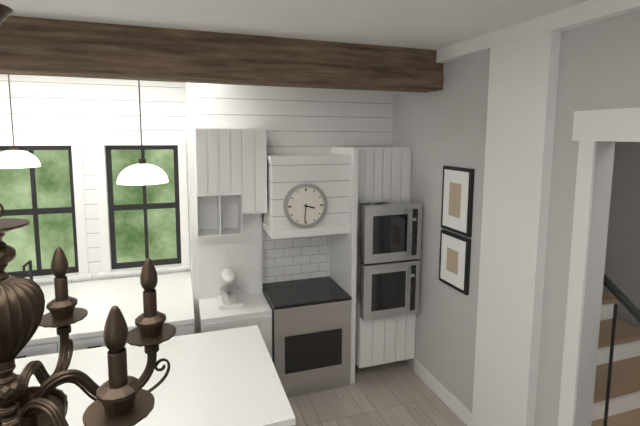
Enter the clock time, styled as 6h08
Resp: 3h31
